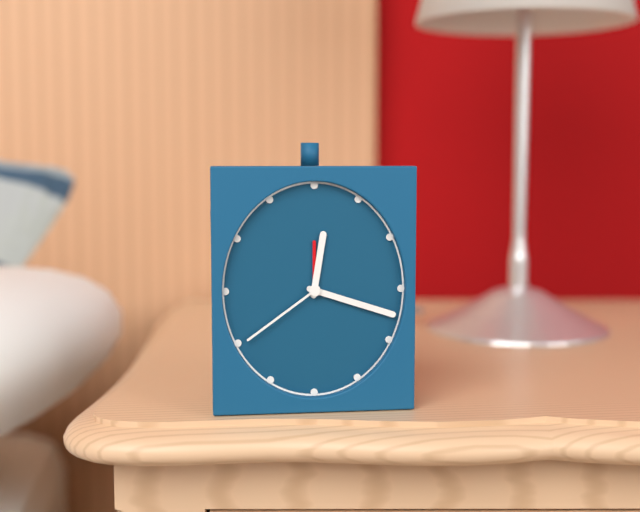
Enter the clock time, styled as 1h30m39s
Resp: 12h18m39s
